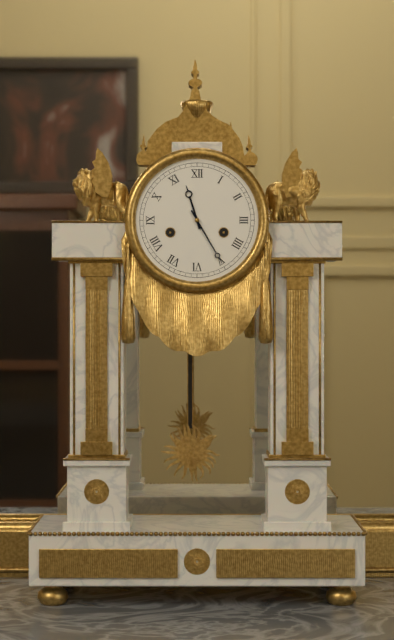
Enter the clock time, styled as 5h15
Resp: 11h25
